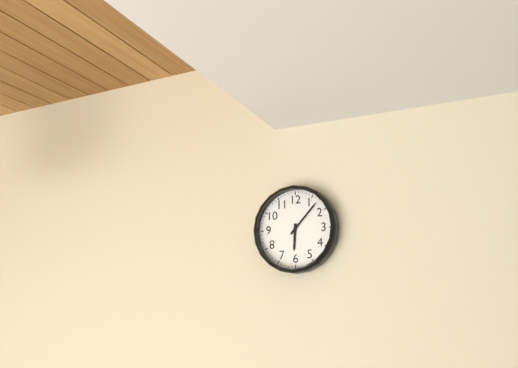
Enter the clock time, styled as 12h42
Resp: 6h07
